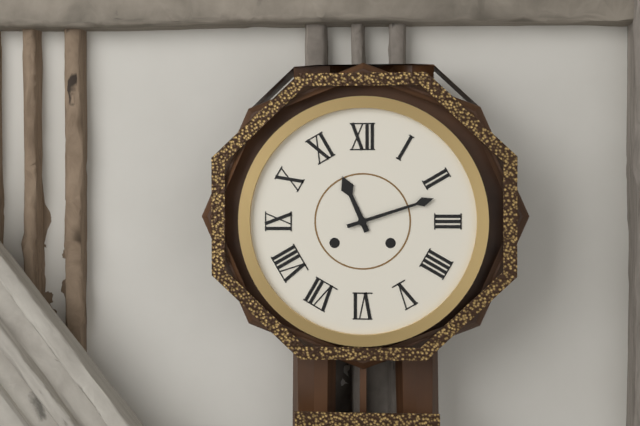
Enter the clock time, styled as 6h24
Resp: 11h12
